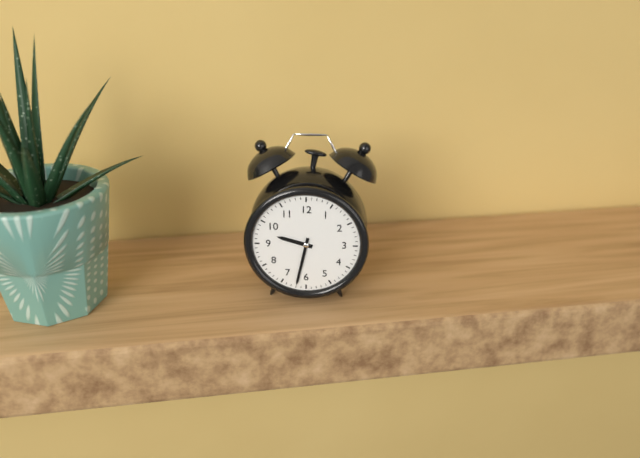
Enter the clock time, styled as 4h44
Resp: 9h32
